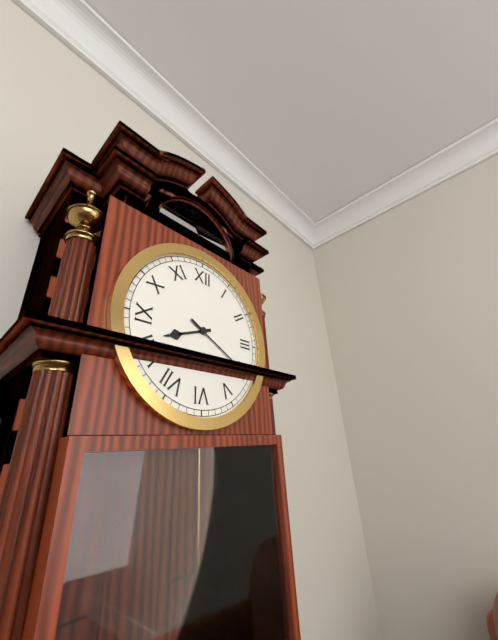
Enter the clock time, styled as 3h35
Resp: 8h20
